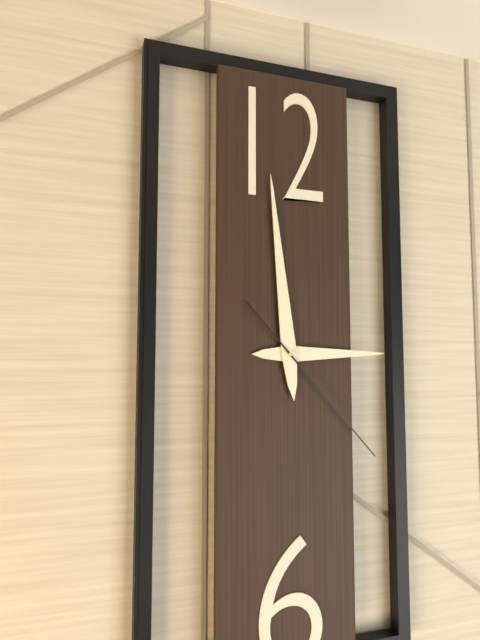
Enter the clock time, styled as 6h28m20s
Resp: 2h59m23s
